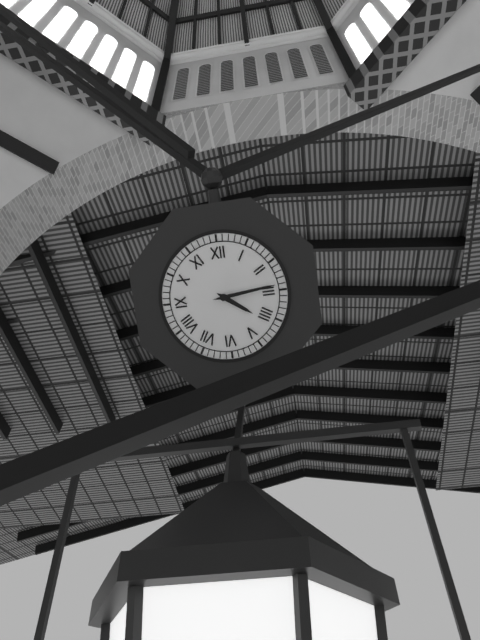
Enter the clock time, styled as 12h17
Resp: 4h14
